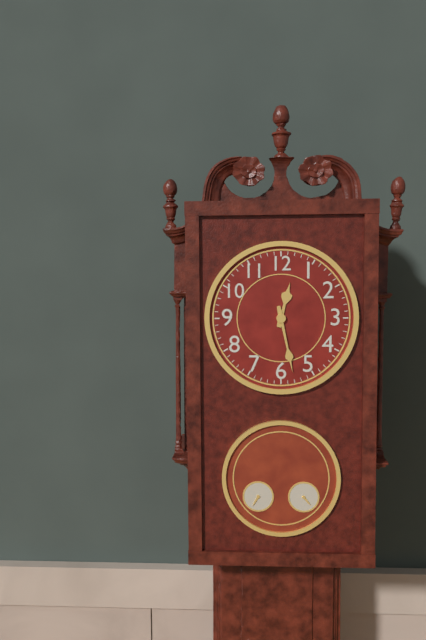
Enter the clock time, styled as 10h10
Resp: 12h28
